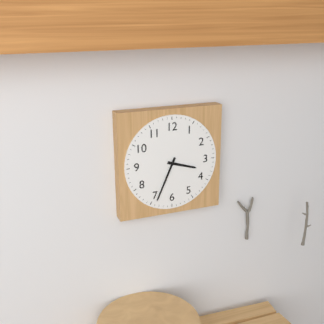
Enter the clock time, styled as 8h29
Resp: 3h34
